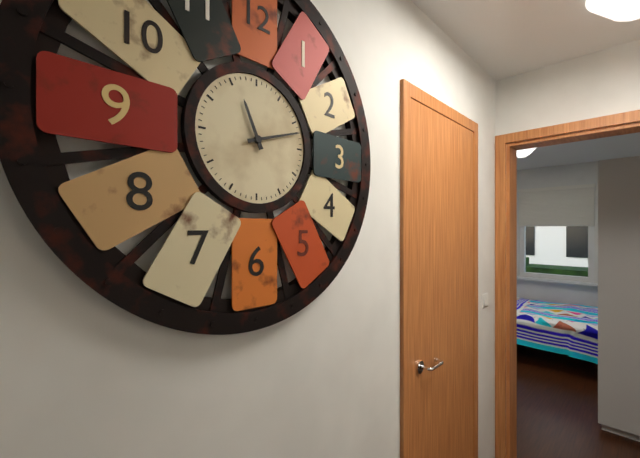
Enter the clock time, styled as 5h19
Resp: 11h12
